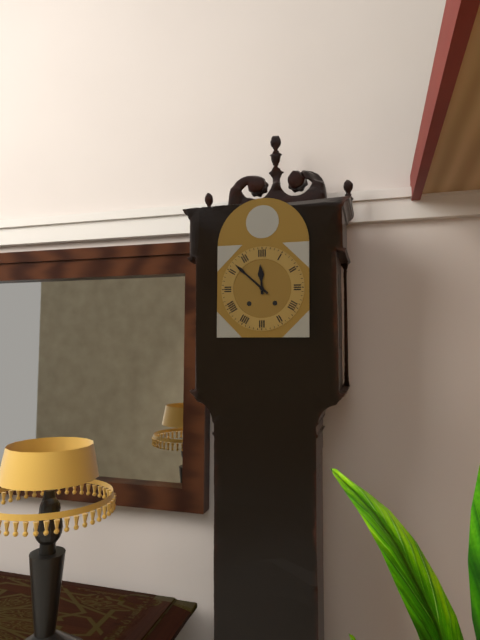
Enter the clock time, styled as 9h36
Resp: 11h52
